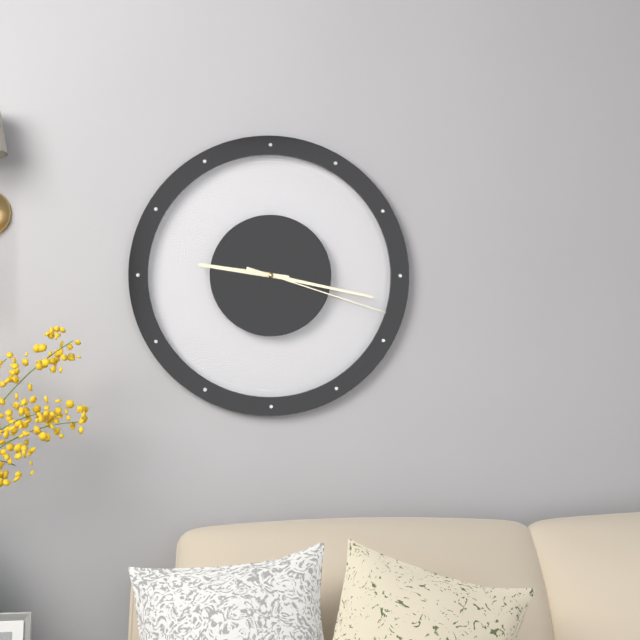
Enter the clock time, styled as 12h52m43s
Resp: 9h17m18s
